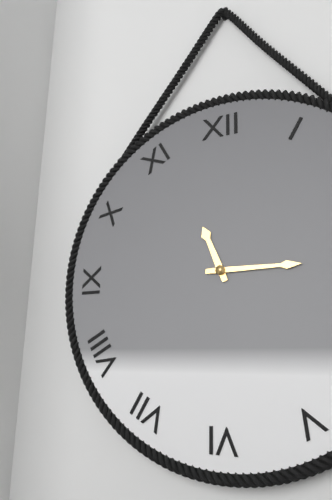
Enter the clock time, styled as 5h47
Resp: 11h15
